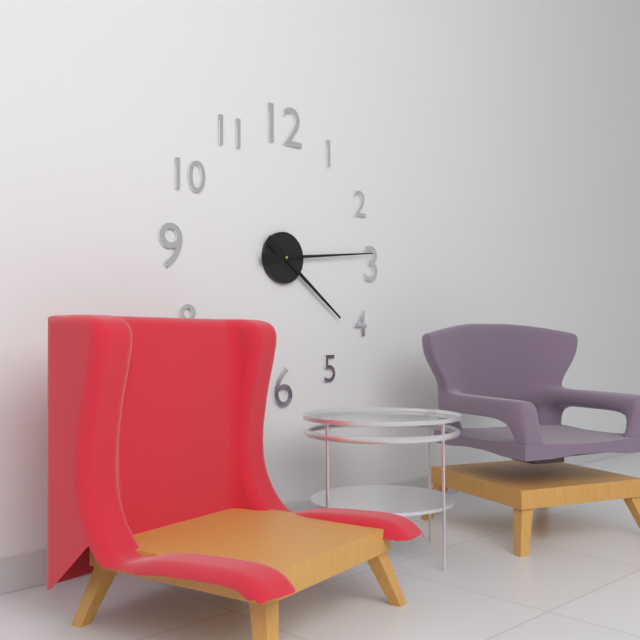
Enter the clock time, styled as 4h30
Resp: 4h14
